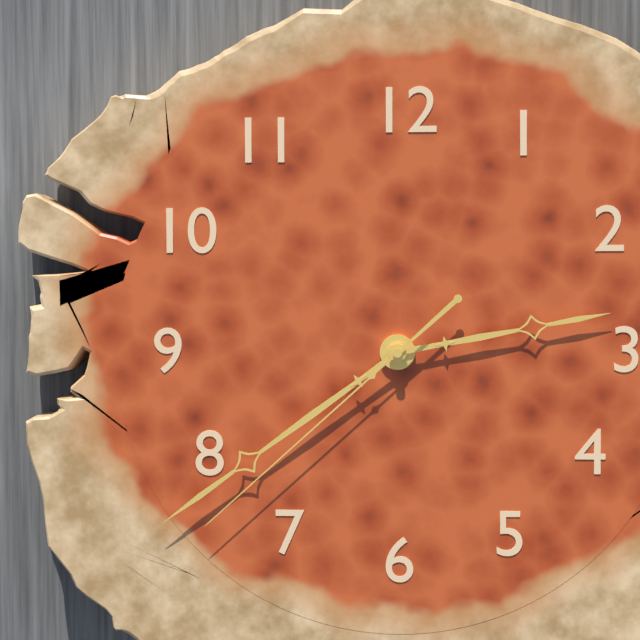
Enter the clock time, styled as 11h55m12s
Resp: 2h39m38s
